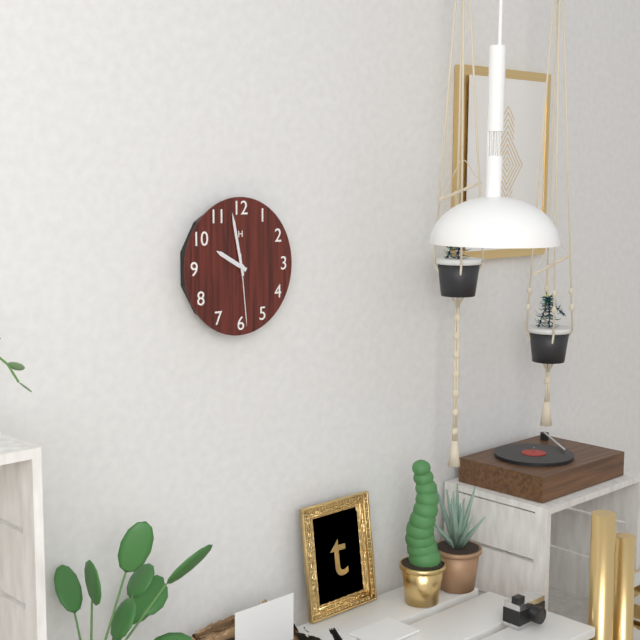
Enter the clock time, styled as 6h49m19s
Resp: 9h58m29s
